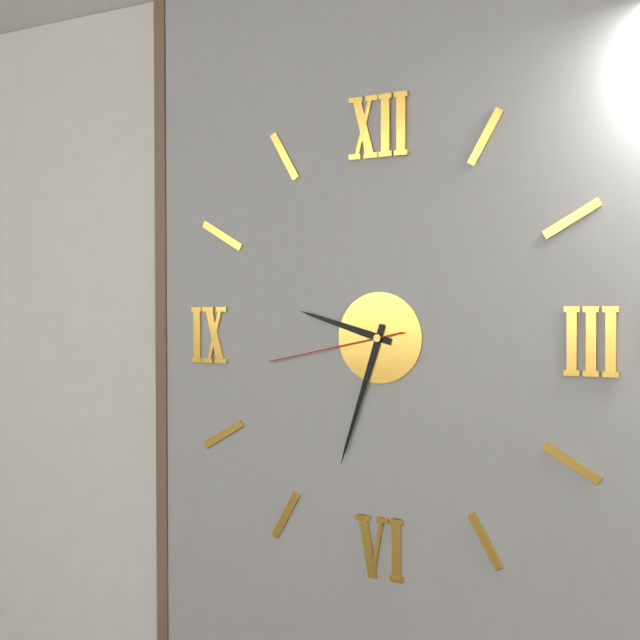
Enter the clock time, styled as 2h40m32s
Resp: 9h33m43s
